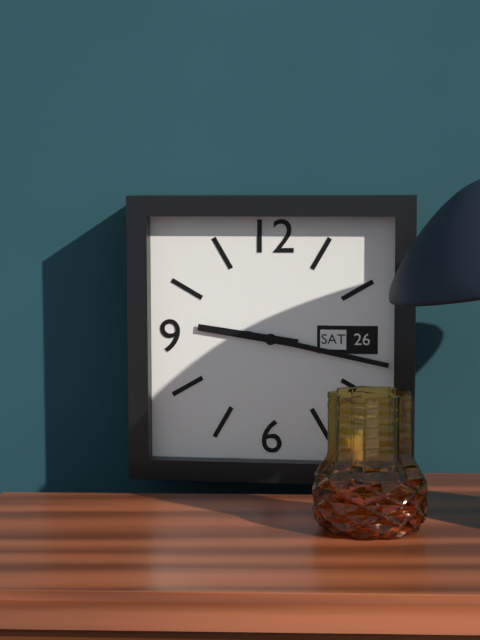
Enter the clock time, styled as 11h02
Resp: 9h17
